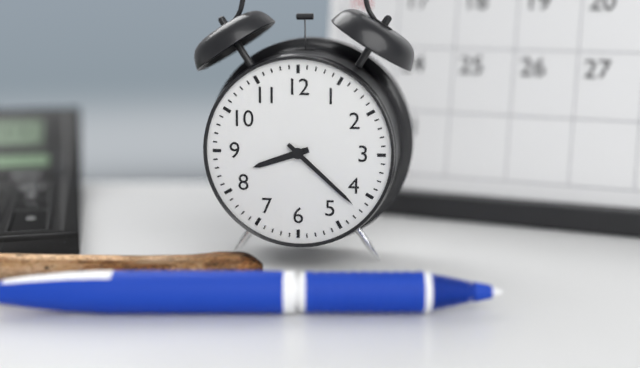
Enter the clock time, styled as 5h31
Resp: 8h22
